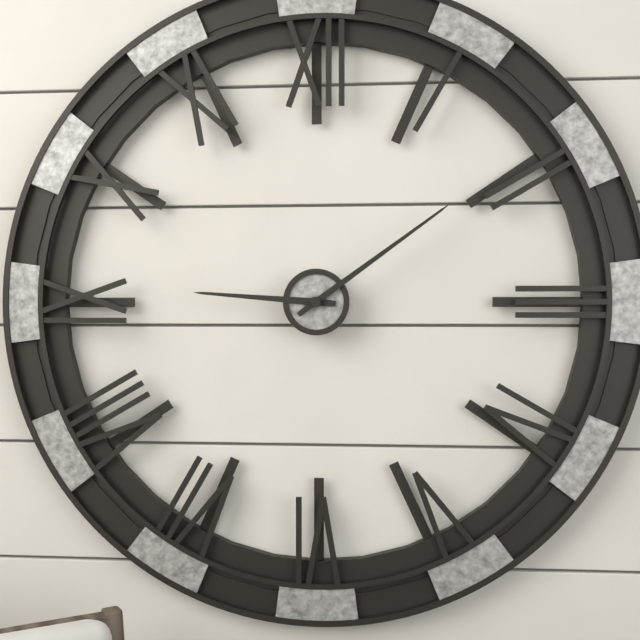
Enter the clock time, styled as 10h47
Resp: 9h09
